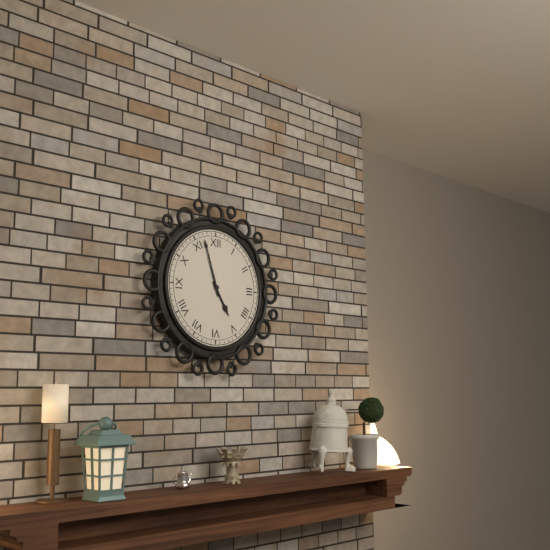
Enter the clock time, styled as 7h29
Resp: 4h57
